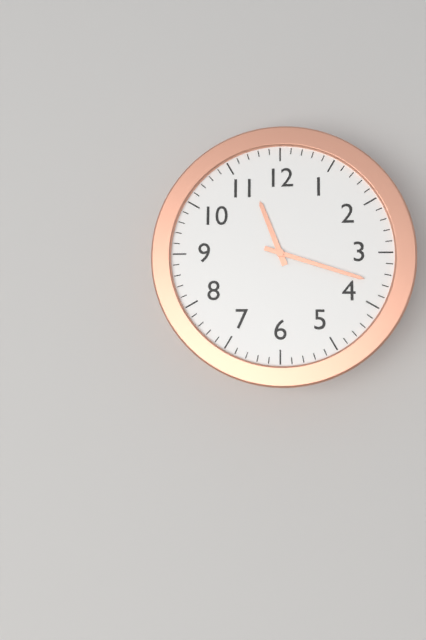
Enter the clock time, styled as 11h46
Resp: 11h18
